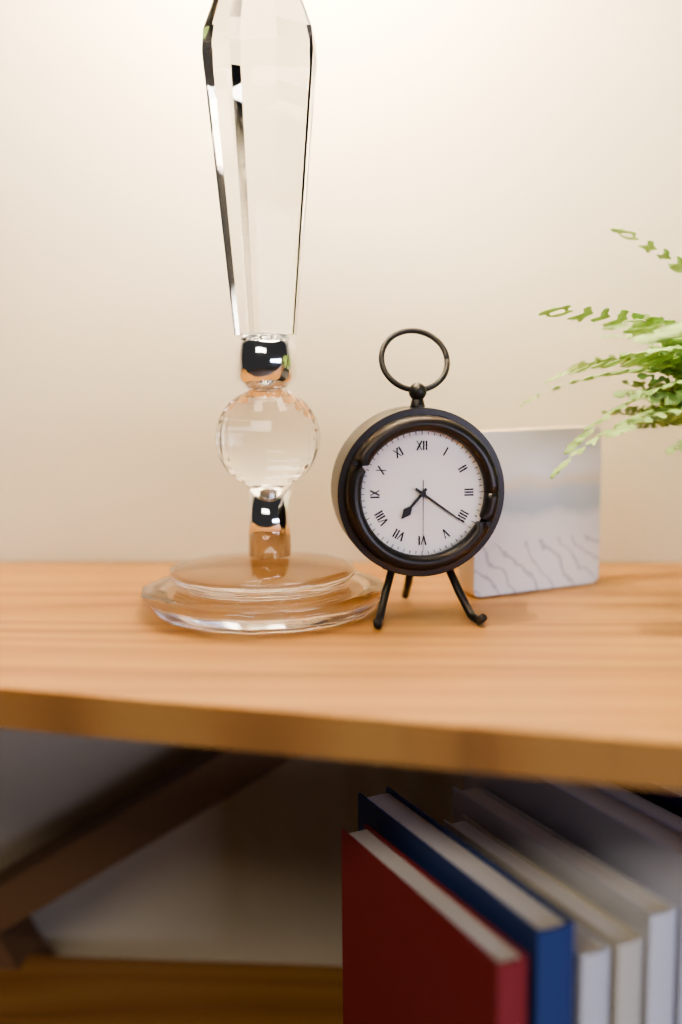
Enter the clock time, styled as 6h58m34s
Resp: 7h21m30s
